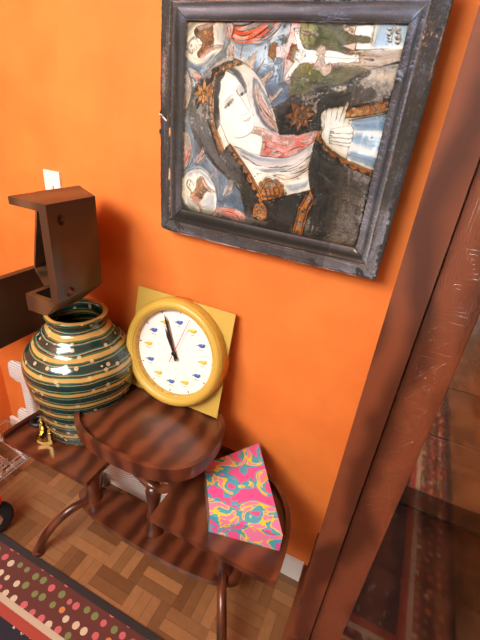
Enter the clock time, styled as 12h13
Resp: 10h56
